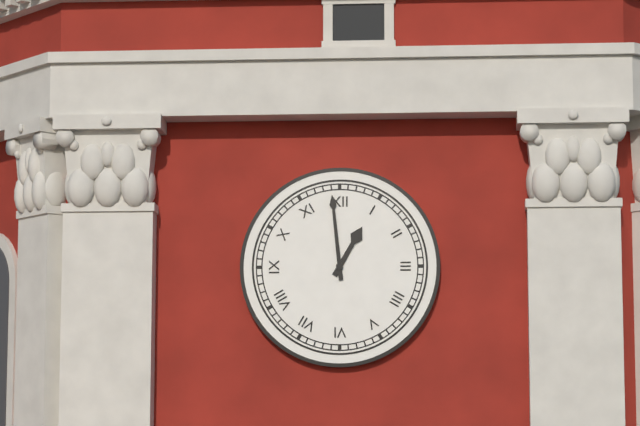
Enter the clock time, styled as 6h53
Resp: 12h59
